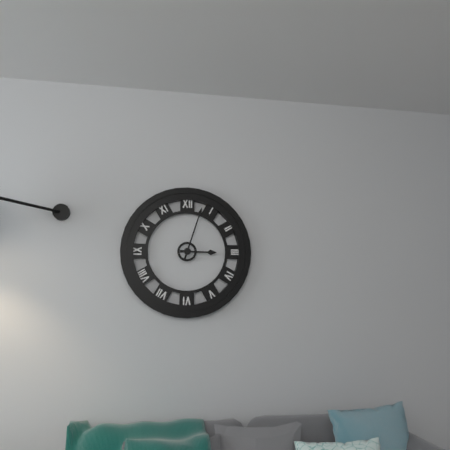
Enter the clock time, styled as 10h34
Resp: 3h03
